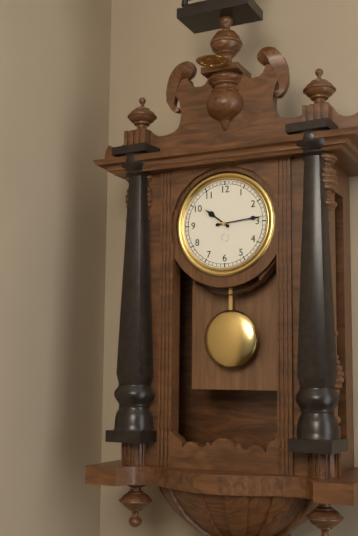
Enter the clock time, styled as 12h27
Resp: 10h14
